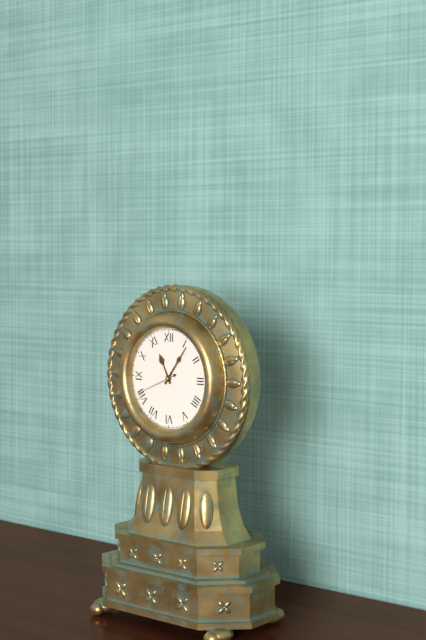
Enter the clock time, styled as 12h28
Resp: 11h06
